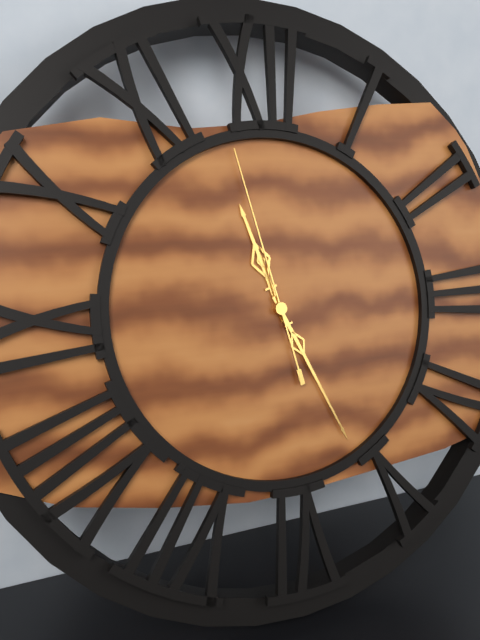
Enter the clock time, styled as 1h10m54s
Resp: 11h26m58s
